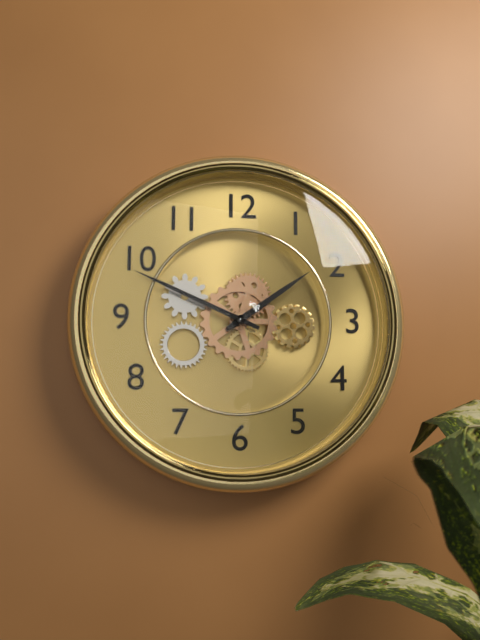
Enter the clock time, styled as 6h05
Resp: 1h49
